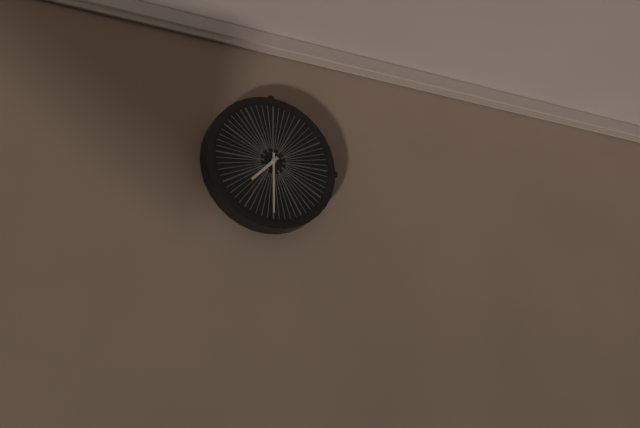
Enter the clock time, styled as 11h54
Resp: 7h30
